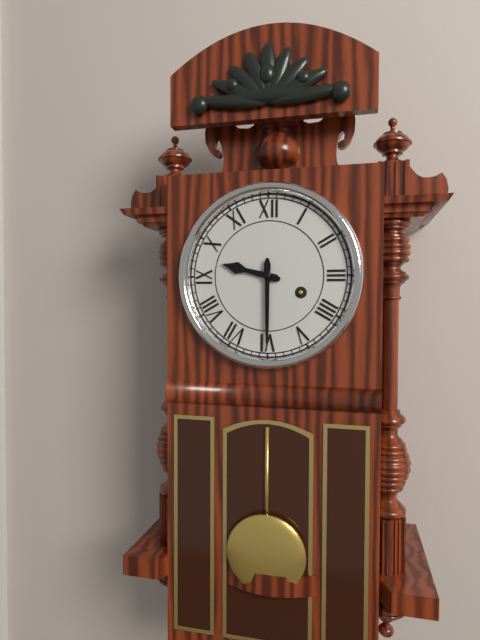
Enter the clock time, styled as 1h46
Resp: 9h30
